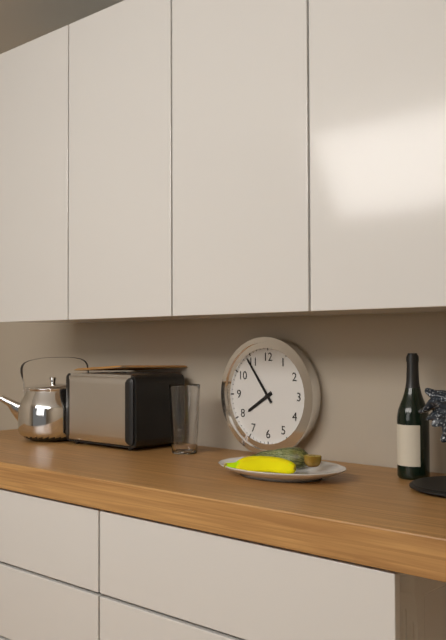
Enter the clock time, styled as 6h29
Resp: 7h54
